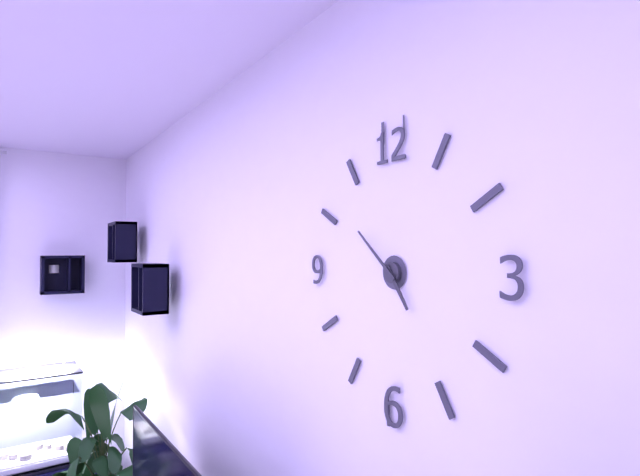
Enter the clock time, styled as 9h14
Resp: 4h52
